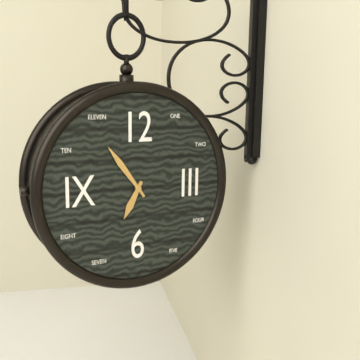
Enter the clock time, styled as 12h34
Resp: 6h54
